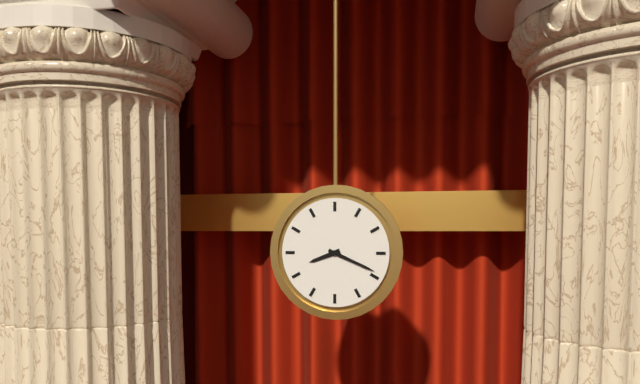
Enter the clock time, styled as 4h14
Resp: 8h19
